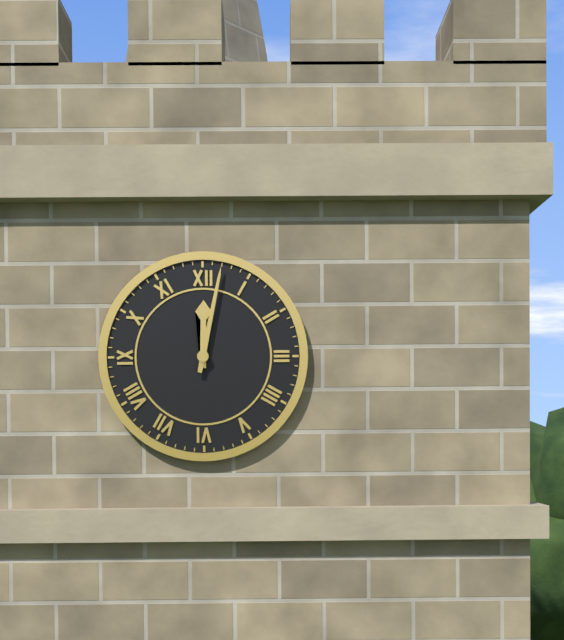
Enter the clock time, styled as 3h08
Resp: 12h02
